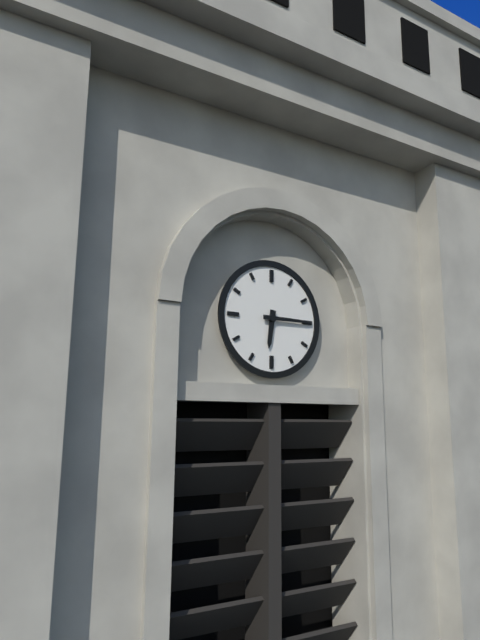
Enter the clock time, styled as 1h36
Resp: 6h15
